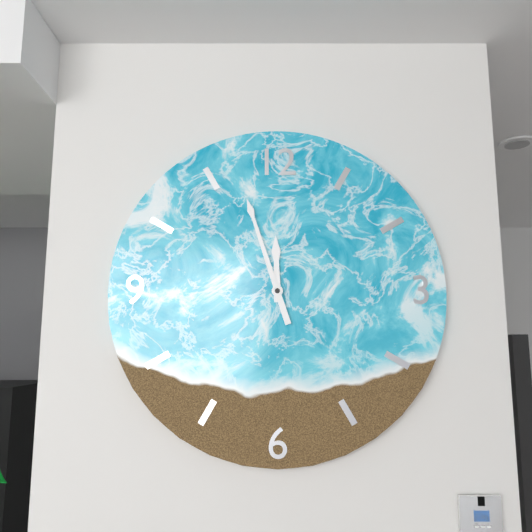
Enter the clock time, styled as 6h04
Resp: 11h57
